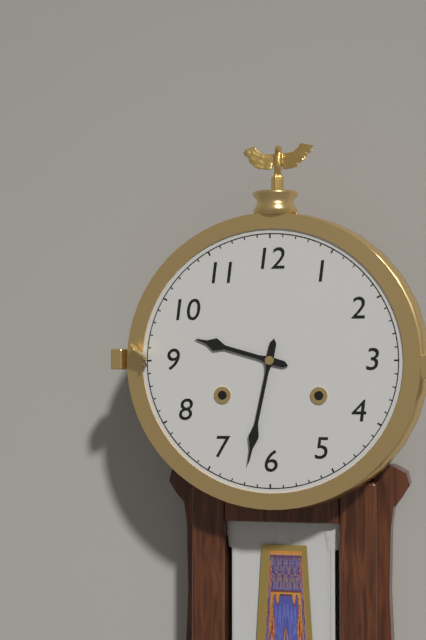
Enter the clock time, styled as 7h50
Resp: 9h32
